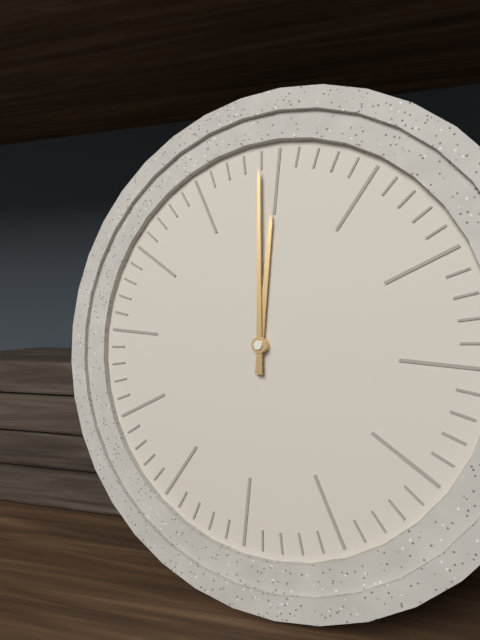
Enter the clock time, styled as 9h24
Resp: 11h59
